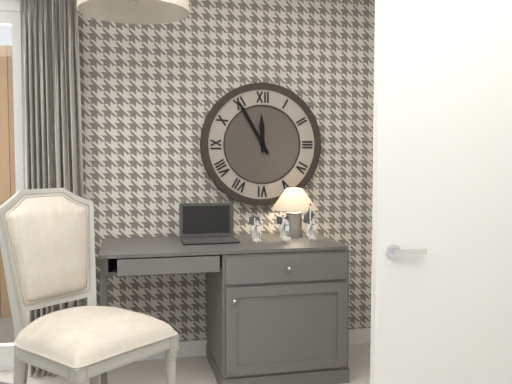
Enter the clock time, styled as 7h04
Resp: 11h55
